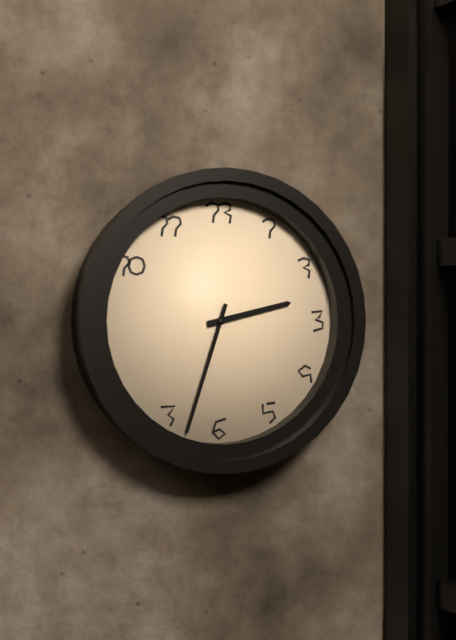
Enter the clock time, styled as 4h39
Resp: 2h33
